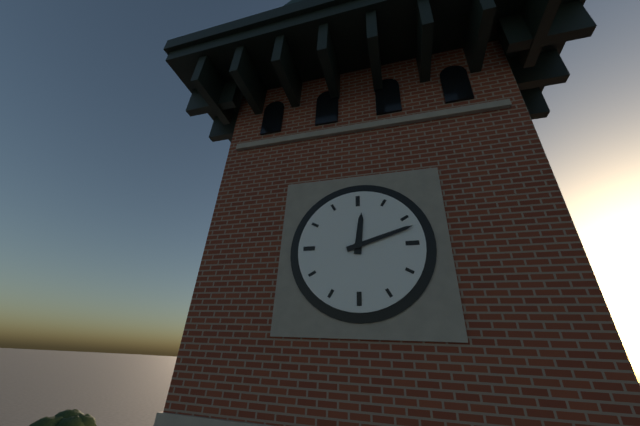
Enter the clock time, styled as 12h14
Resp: 12h12
